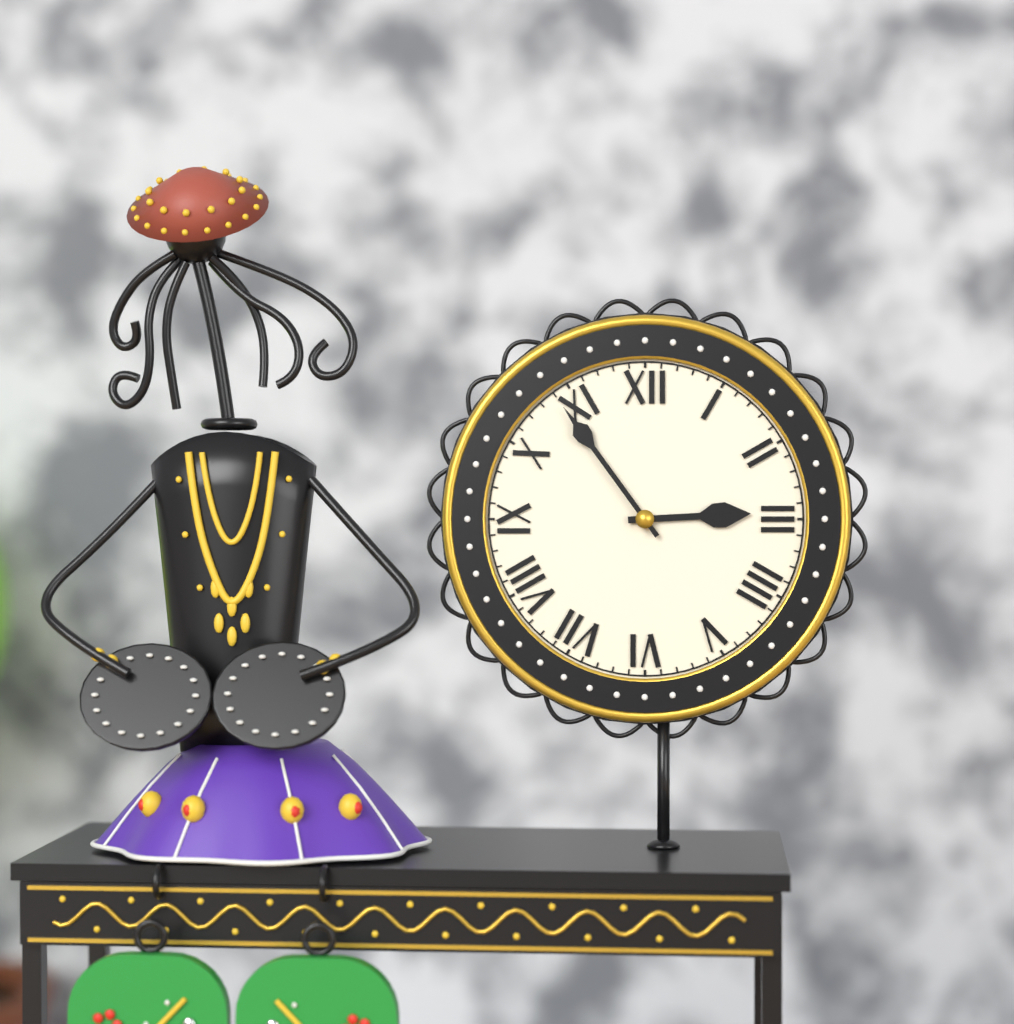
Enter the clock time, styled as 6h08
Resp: 2h54
